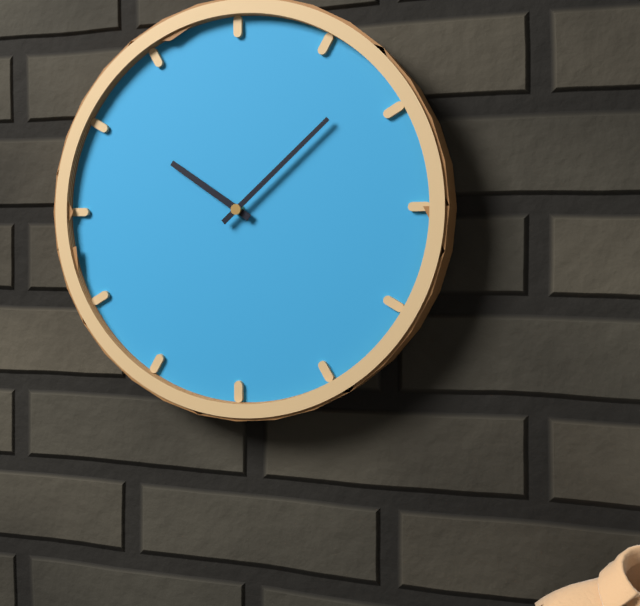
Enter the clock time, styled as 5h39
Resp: 10h08
